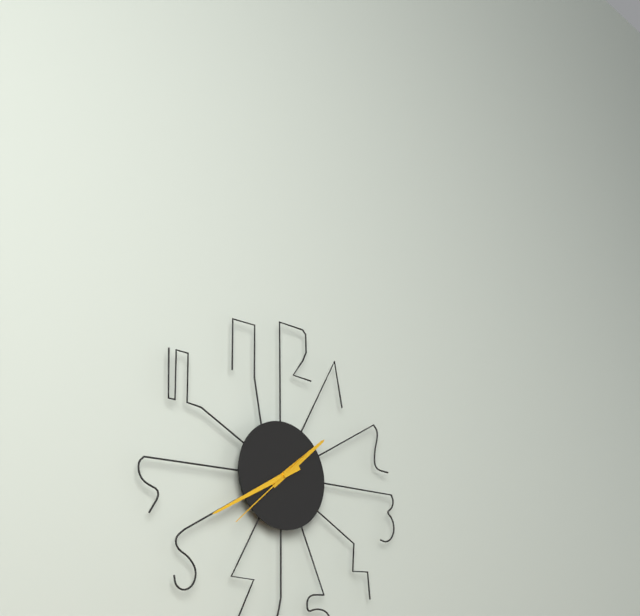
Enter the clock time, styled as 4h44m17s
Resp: 1h40m38s
